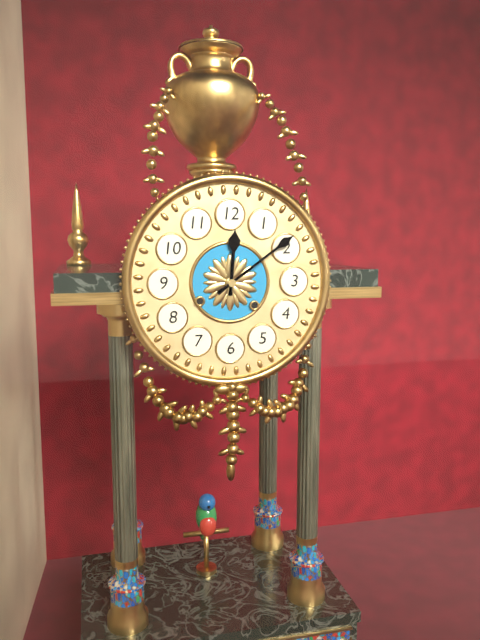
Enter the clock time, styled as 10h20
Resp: 12h09
